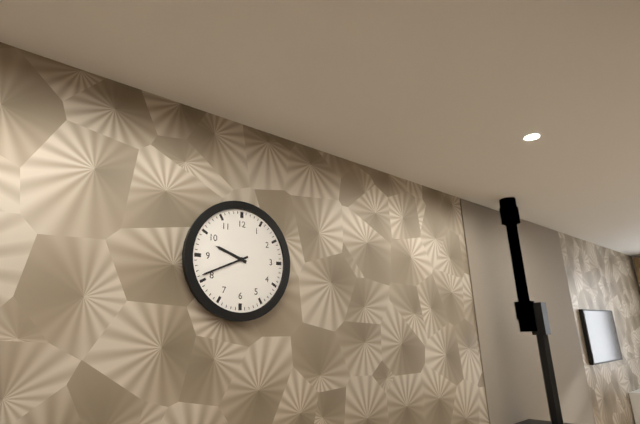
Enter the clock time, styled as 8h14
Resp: 9h41
